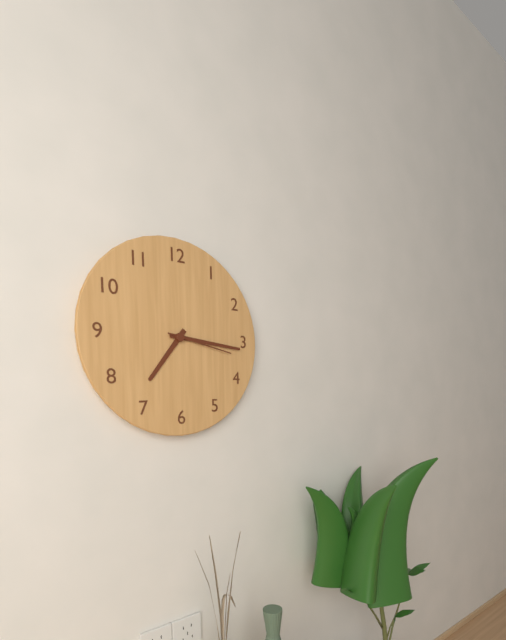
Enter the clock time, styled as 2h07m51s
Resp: 7h16m17s
